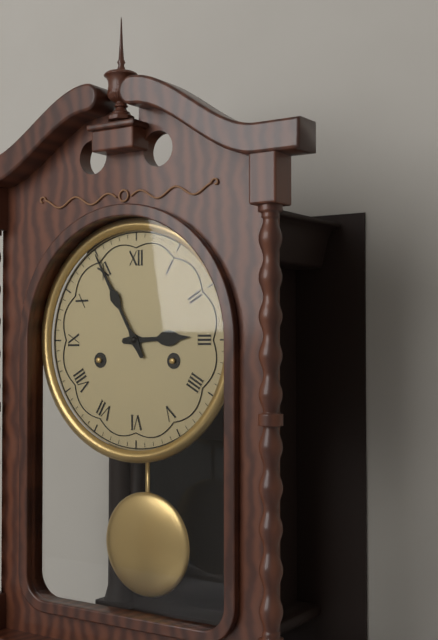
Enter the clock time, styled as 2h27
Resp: 2h55
